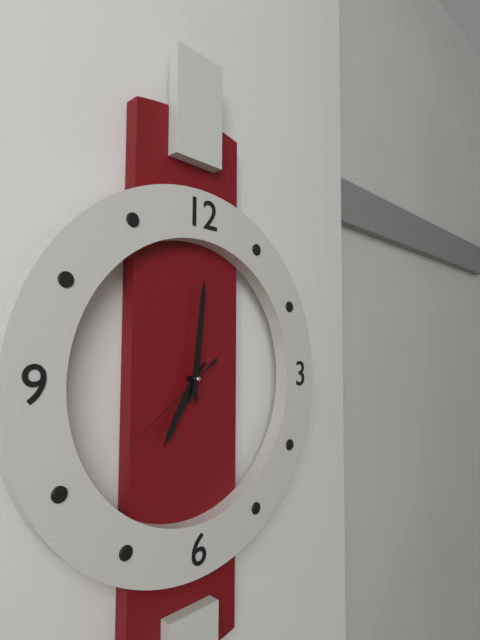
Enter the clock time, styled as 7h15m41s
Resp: 7h01m39s
